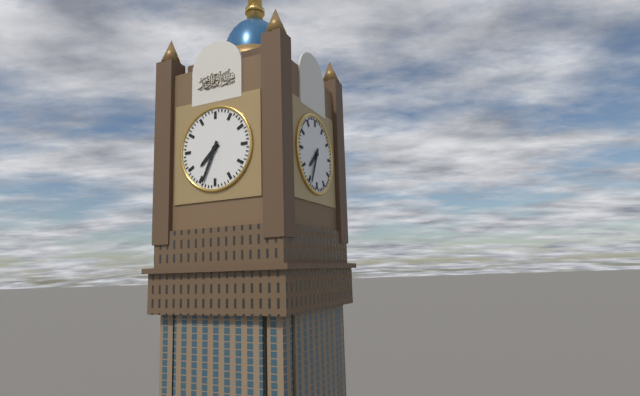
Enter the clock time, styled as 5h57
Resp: 7h34
